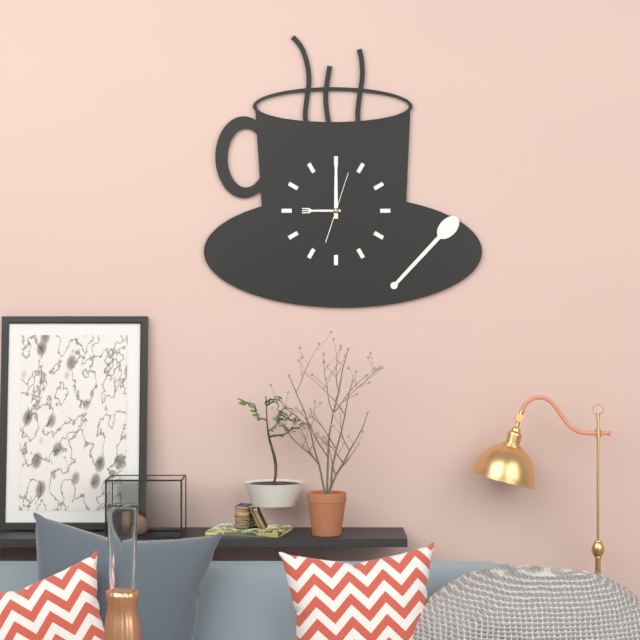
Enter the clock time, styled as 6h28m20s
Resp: 9h00m03s
